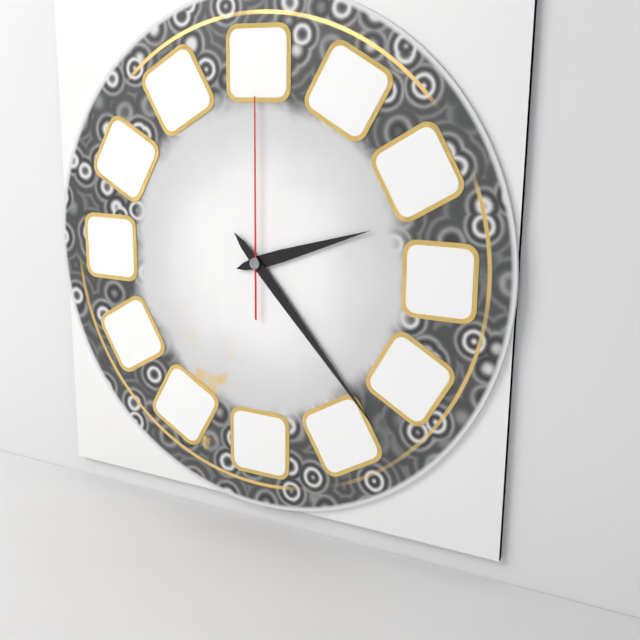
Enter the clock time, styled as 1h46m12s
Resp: 2h23m00s
